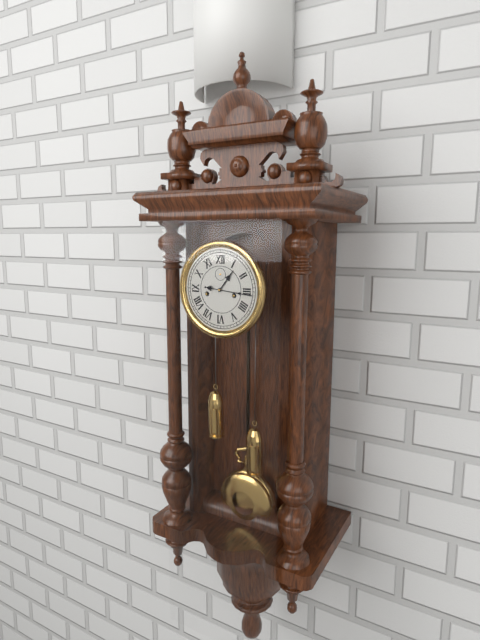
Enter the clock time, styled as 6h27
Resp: 1h16
